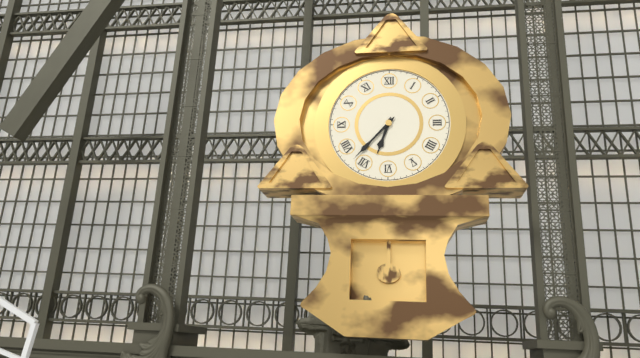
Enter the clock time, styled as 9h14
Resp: 6h37
